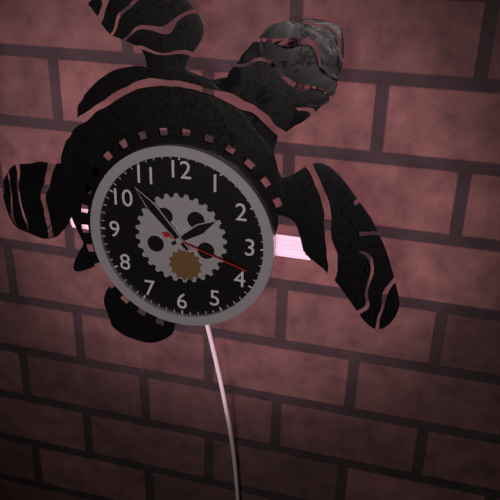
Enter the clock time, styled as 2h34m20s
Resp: 1h53m18s
